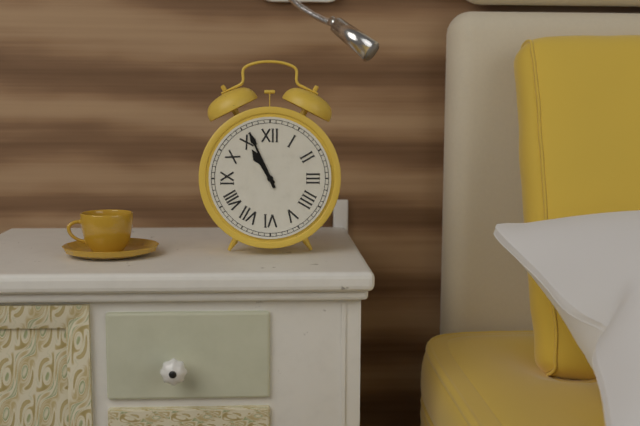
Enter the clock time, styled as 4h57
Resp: 10h56
